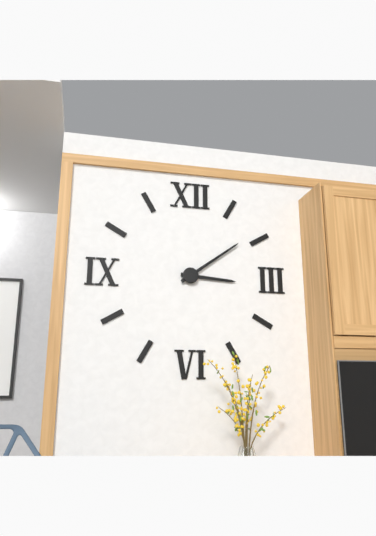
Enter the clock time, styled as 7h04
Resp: 3h09
